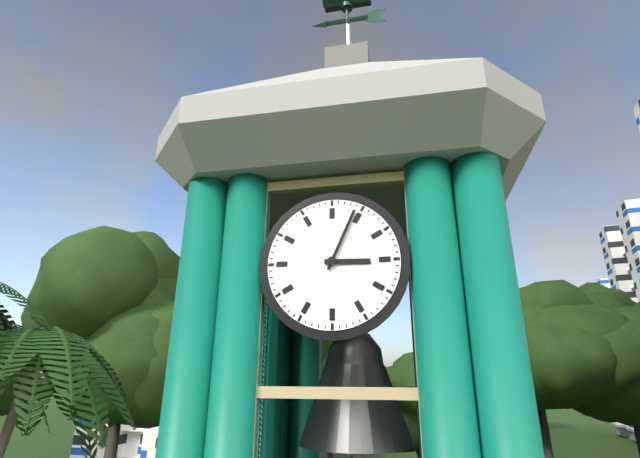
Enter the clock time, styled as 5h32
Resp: 3h04
